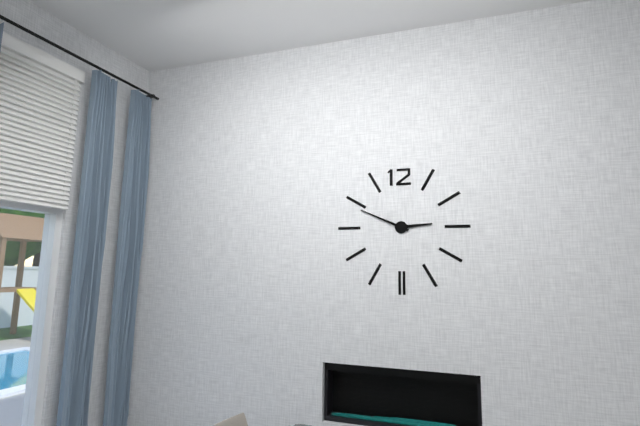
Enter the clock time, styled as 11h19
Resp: 2h49
